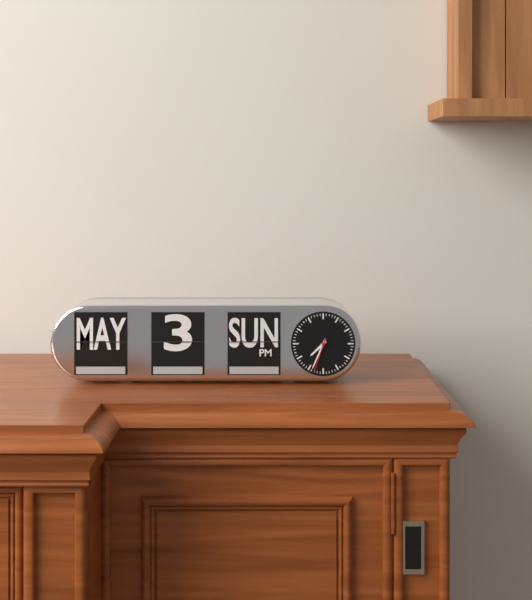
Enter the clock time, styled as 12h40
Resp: 7h34
